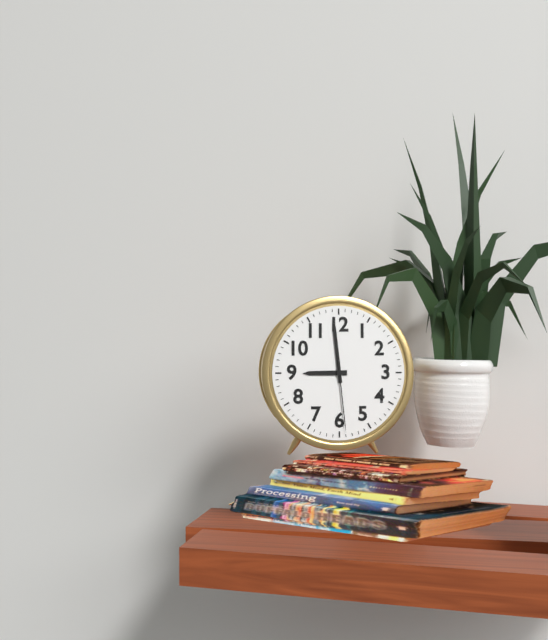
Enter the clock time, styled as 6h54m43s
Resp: 8h59m29s
